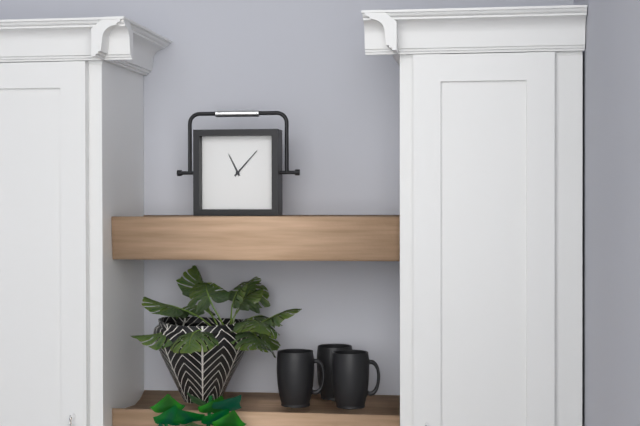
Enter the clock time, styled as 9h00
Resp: 11h07
